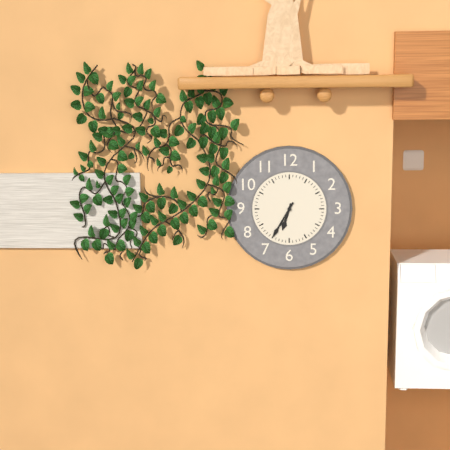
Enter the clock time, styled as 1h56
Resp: 6h35
